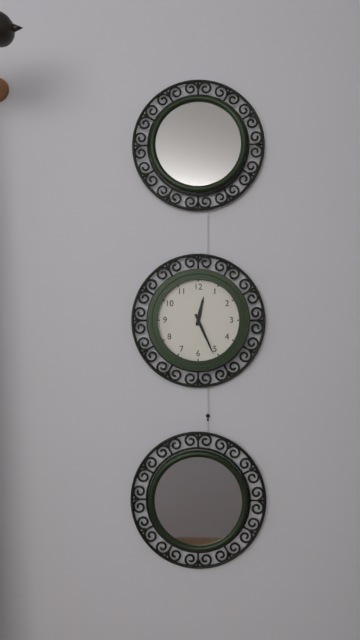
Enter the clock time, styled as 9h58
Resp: 12h26
